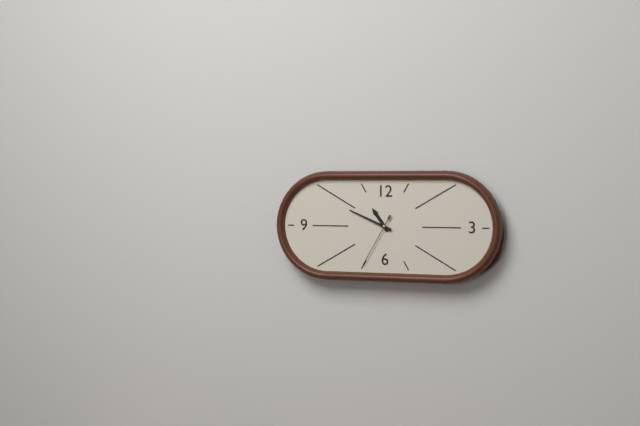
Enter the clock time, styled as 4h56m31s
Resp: 10h49m35s
